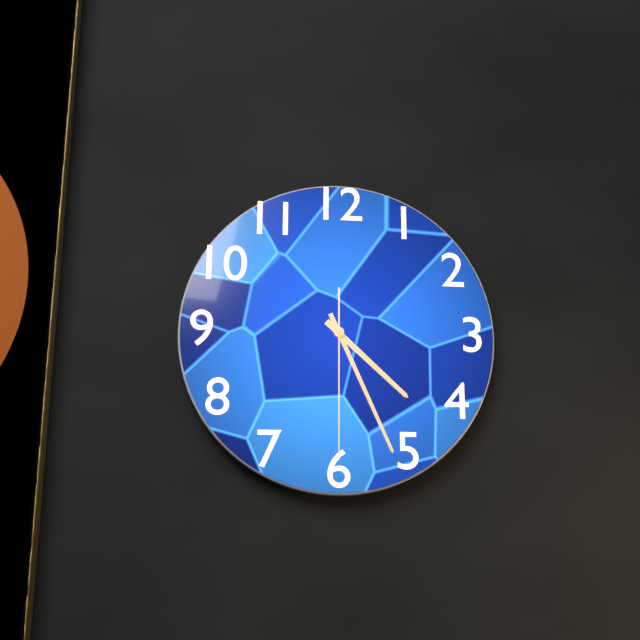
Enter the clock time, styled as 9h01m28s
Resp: 4h26m30s
